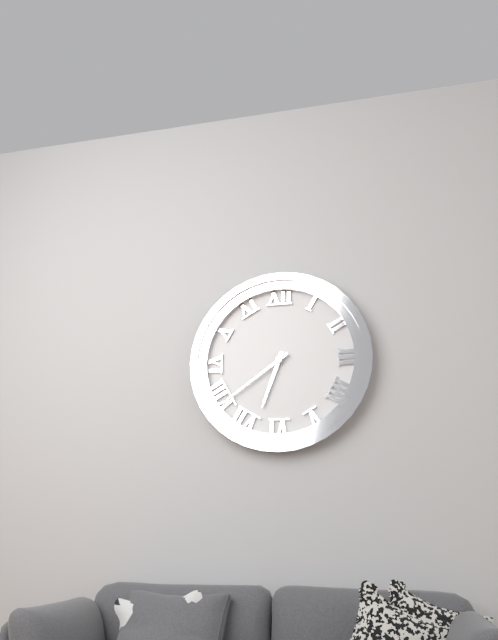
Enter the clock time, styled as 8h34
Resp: 6h39
